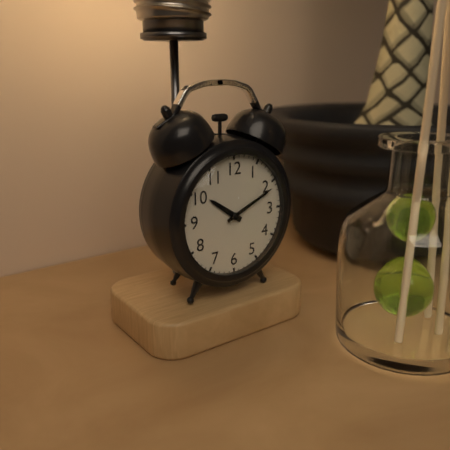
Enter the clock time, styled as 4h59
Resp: 10h11
